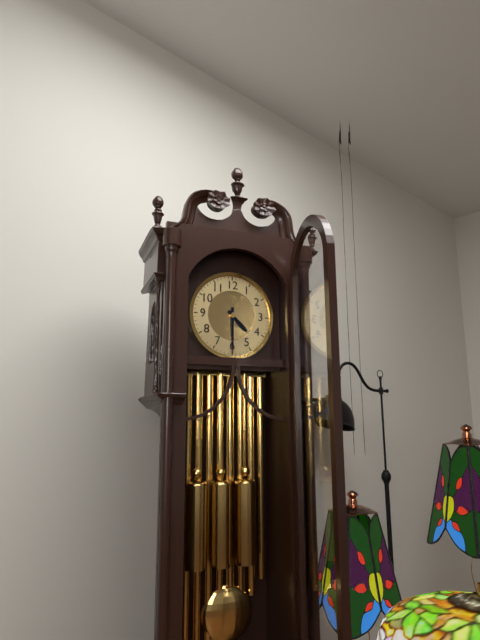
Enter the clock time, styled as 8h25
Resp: 4h30
